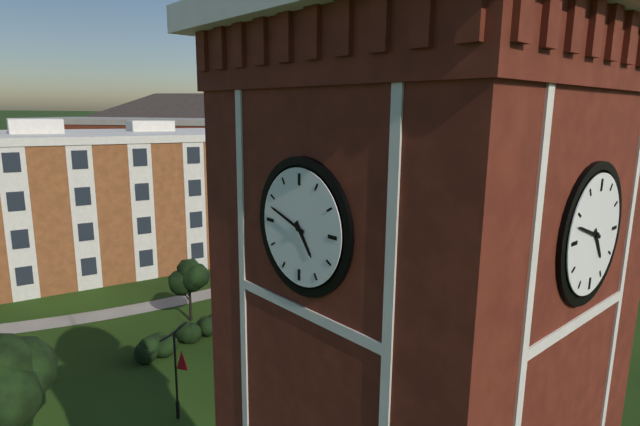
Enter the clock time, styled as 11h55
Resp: 4h48
